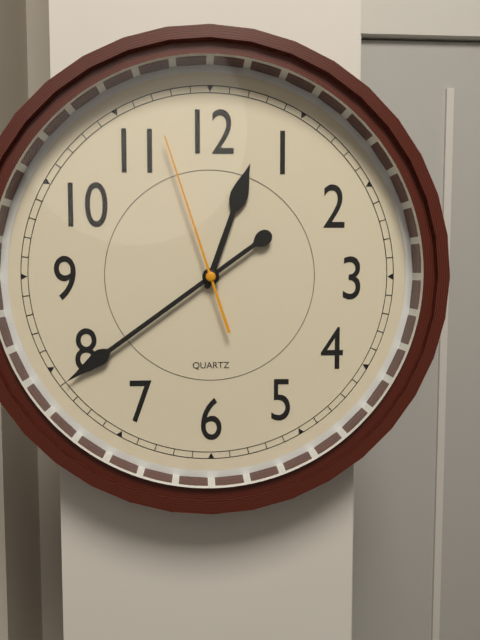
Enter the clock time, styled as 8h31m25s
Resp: 12h39m57s
